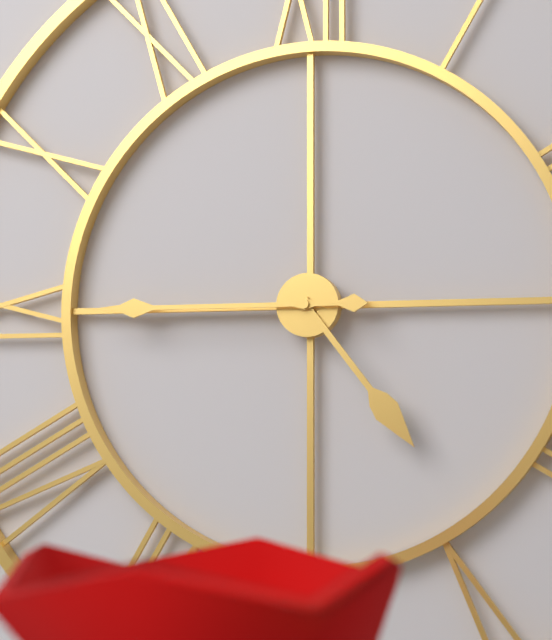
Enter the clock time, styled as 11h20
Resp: 4h45
